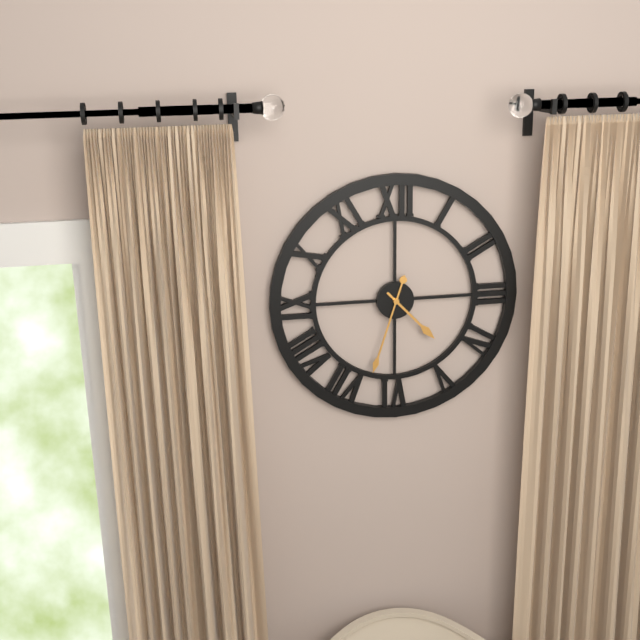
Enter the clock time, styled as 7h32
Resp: 4h33
